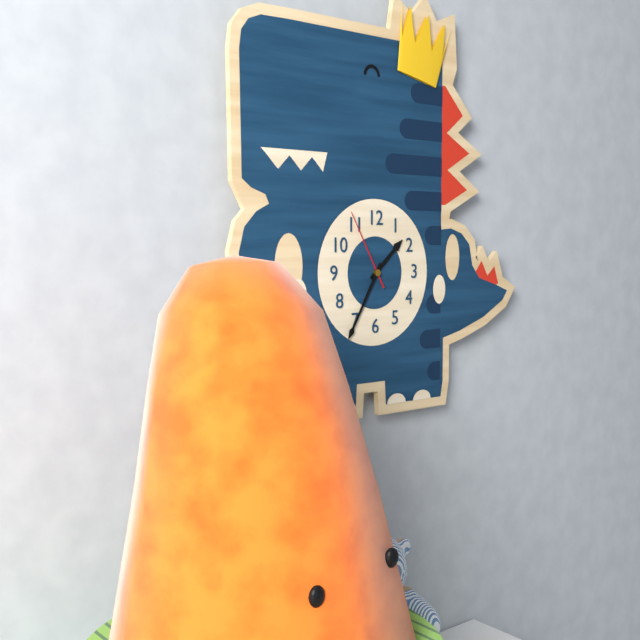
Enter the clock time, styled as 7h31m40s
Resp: 1h35m55s
